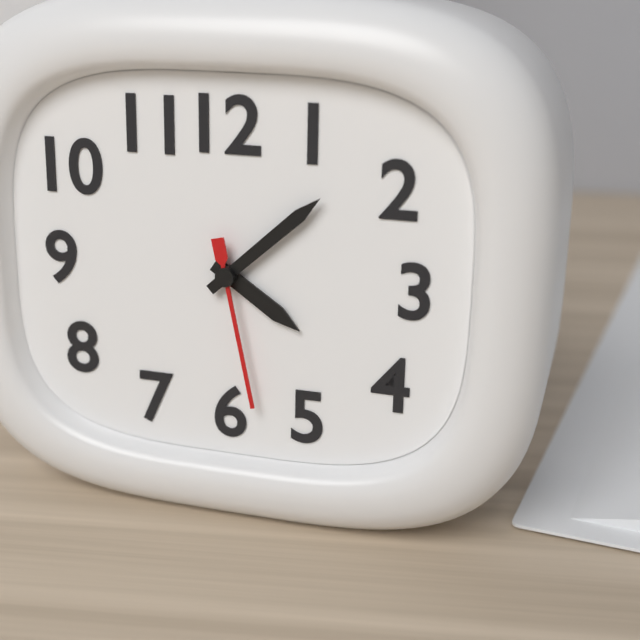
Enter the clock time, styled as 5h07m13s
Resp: 4h08m28s
